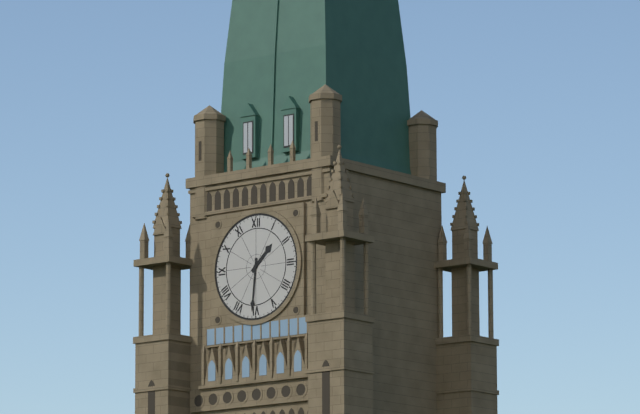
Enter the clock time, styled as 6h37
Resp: 1h31
